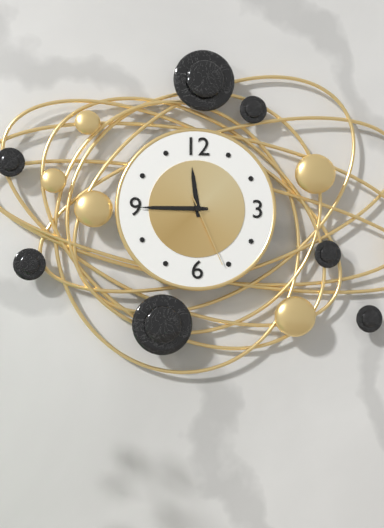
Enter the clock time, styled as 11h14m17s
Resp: 11h45m26s
